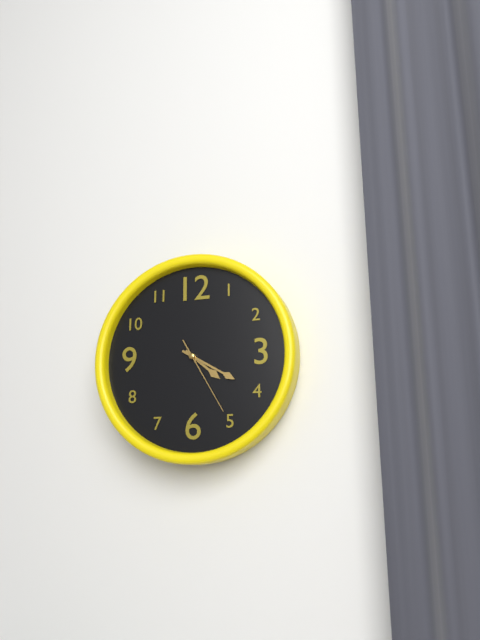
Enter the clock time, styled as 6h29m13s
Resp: 4h20m25s
